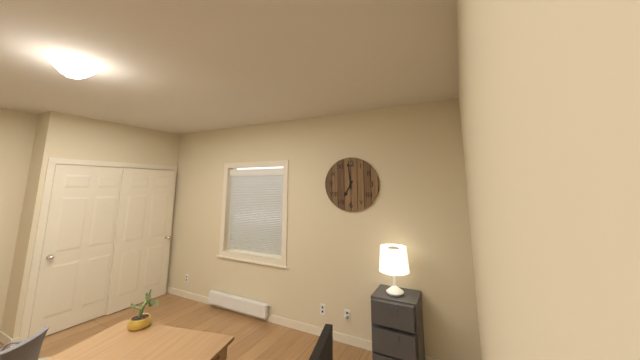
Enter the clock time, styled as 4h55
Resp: 6h59
